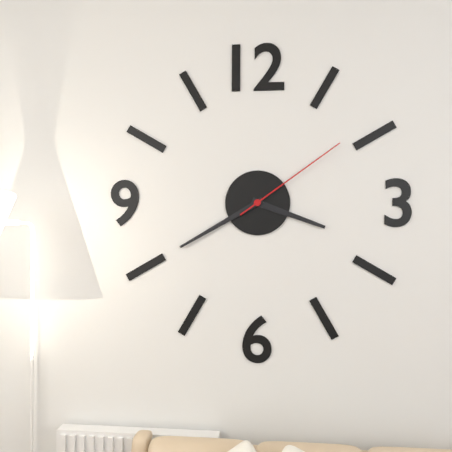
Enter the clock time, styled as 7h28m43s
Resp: 3h40m09s
